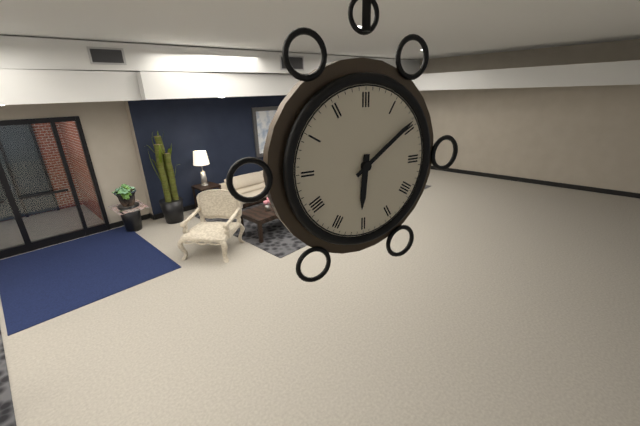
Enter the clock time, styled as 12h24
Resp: 6h09
